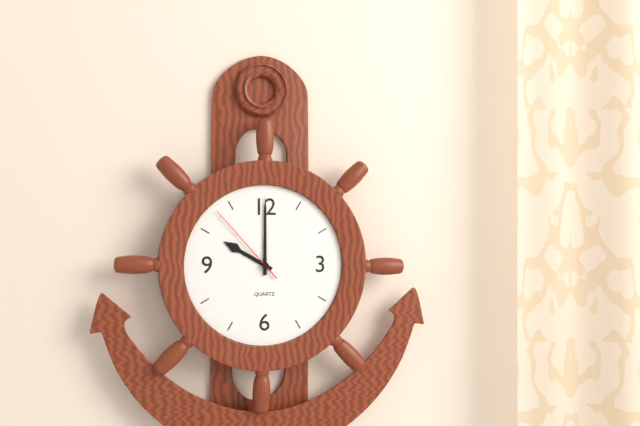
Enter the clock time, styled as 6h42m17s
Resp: 10h00m53s
